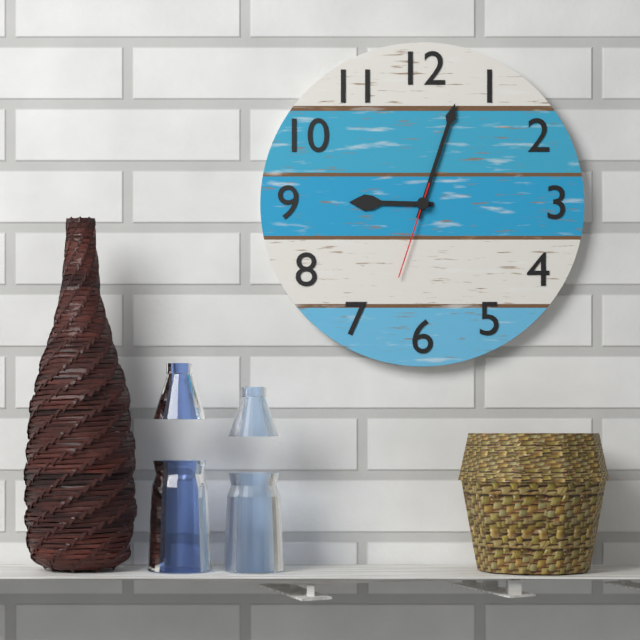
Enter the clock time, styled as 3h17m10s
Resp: 9h03m33s
